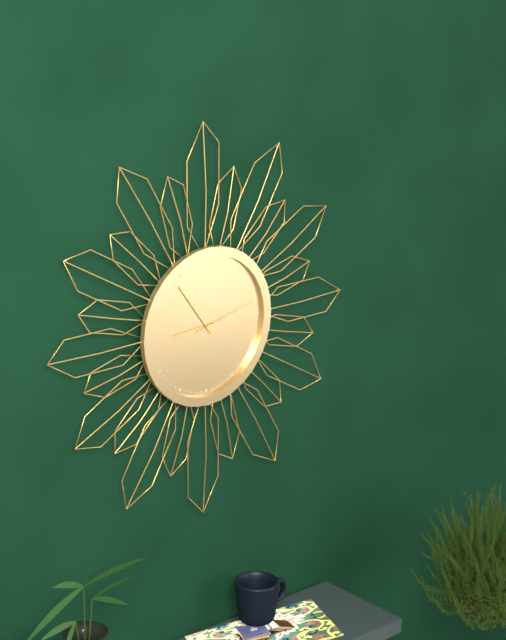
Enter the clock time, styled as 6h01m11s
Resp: 8h54m13s
